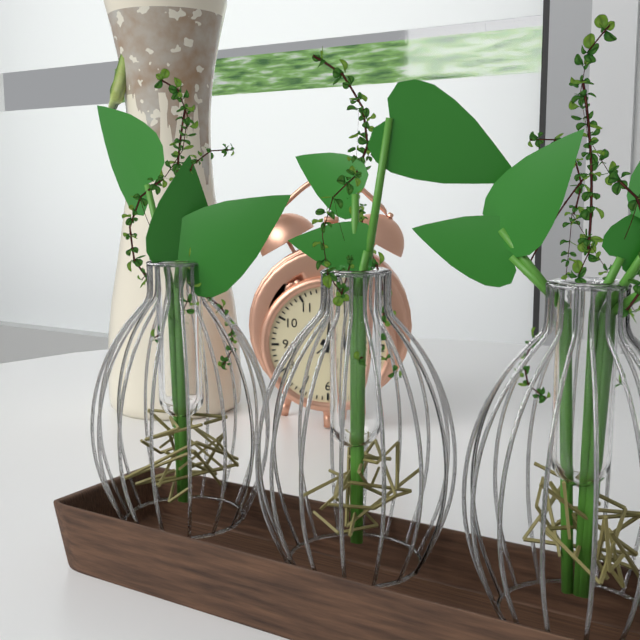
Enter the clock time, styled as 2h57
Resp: 4h01
